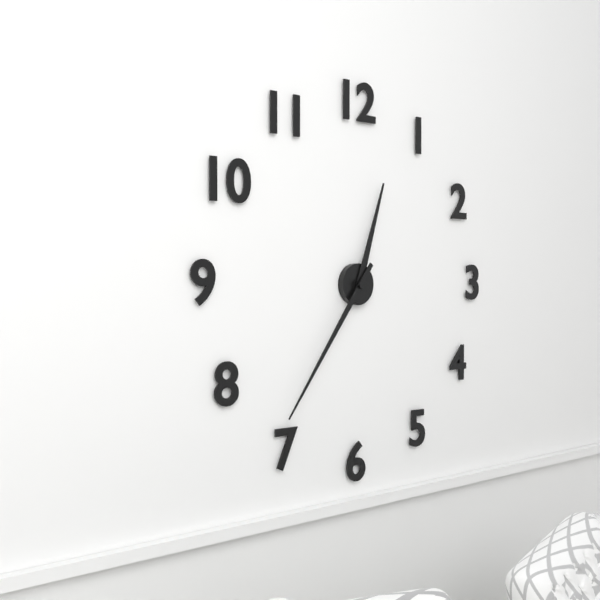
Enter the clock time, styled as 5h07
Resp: 12h36
